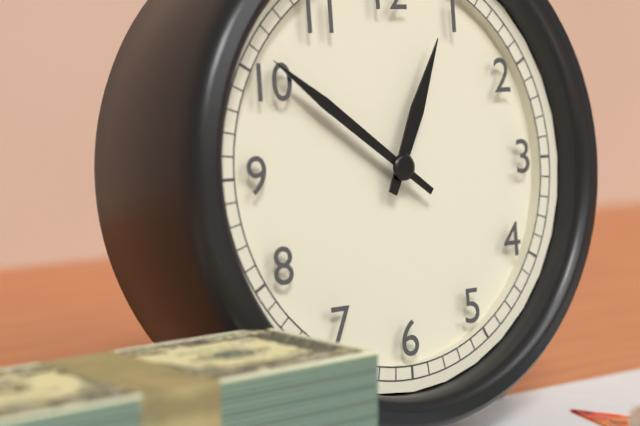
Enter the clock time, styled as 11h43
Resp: 12h51
